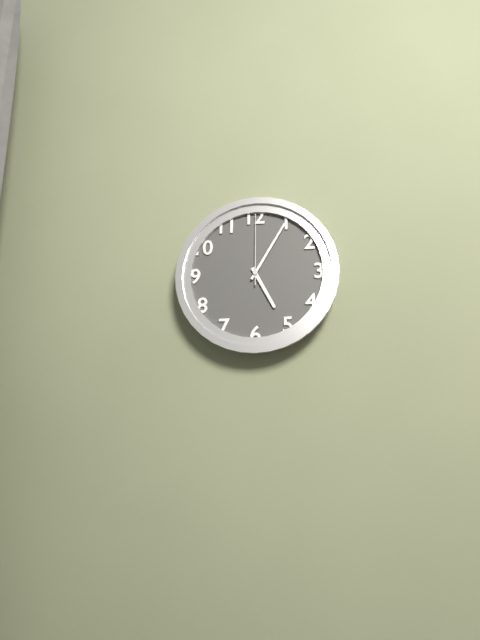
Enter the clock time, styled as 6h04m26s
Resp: 5h05m00s
